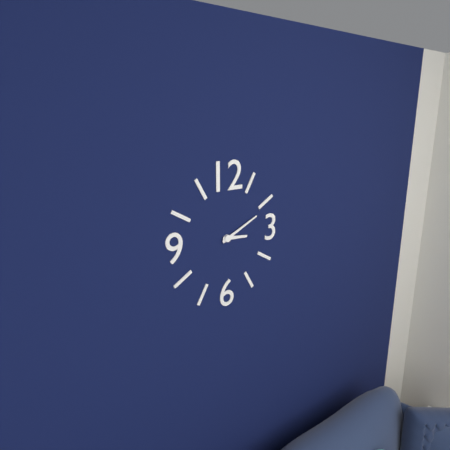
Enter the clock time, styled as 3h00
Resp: 3h11
